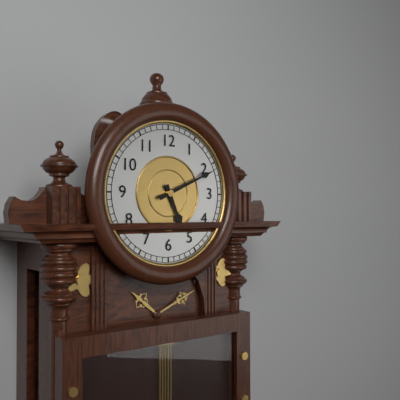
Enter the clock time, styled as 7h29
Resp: 5h11
